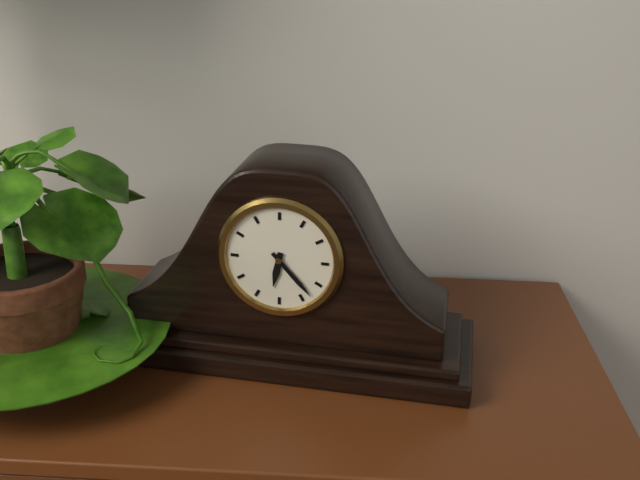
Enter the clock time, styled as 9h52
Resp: 6h23
